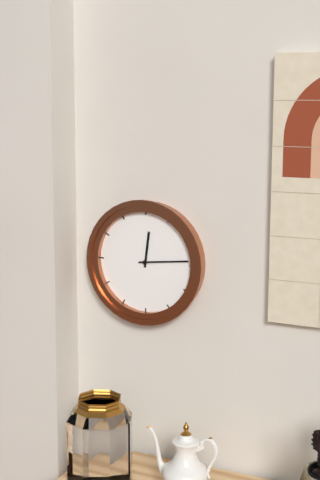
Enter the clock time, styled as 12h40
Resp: 12h14
